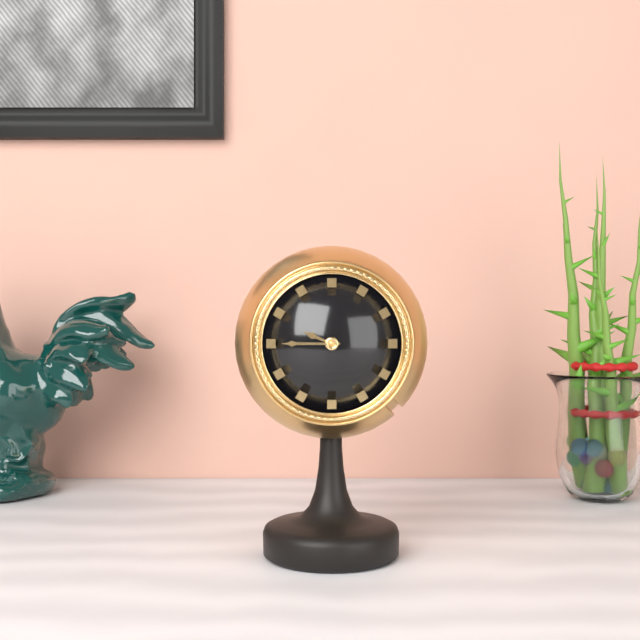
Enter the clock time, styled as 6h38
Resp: 9h45
